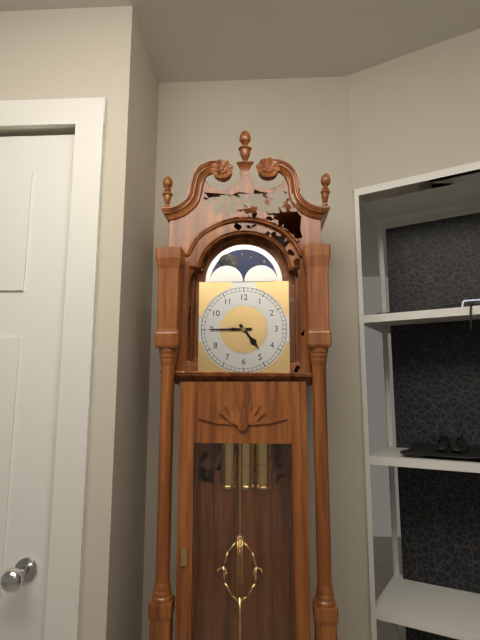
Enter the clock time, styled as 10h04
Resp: 4h45
